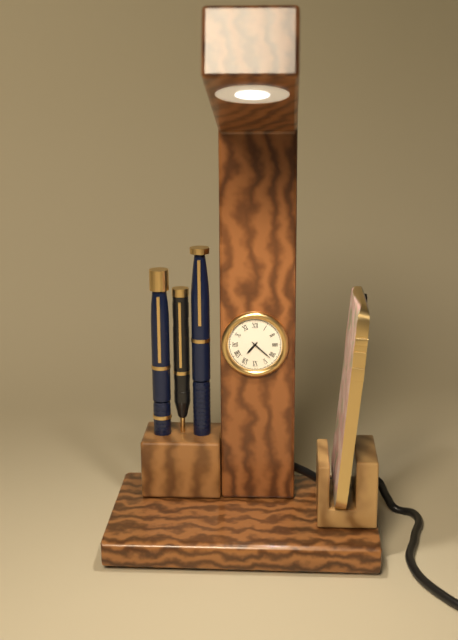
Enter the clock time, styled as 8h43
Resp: 7h22
